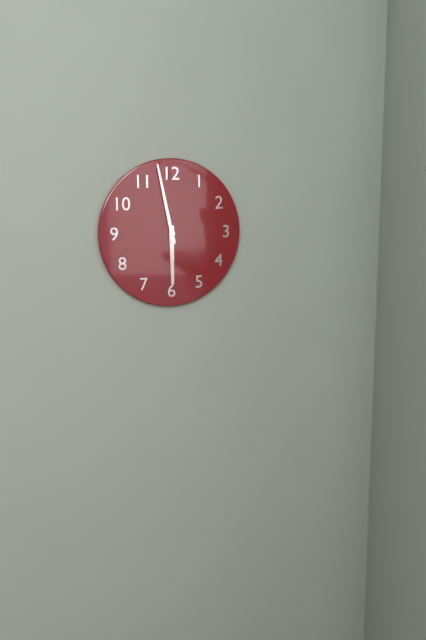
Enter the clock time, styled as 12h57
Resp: 5h58
